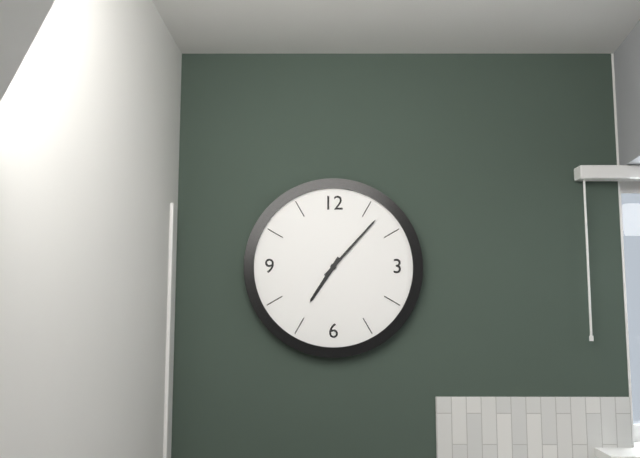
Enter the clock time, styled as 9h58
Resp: 7h07
